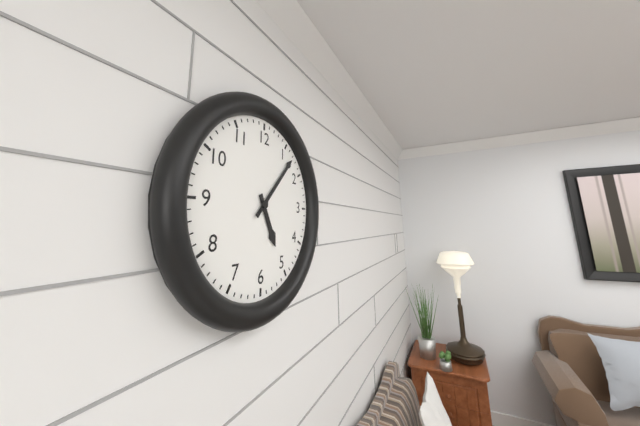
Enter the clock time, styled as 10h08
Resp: 5h07
